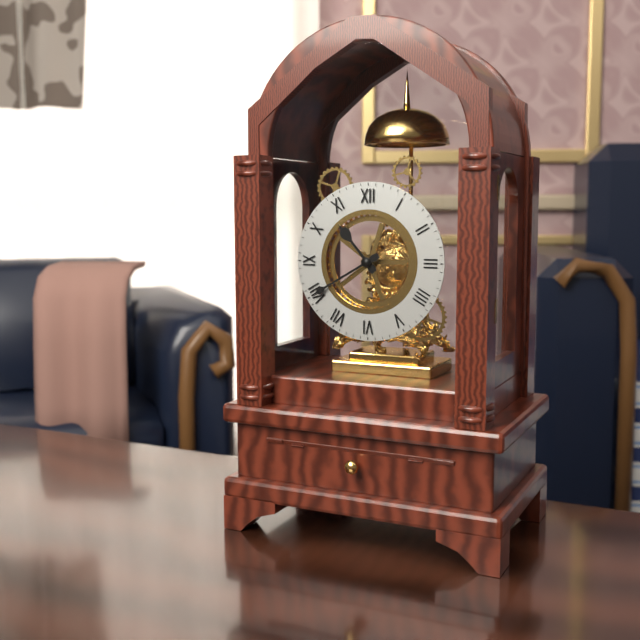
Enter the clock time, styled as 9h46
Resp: 10h40
